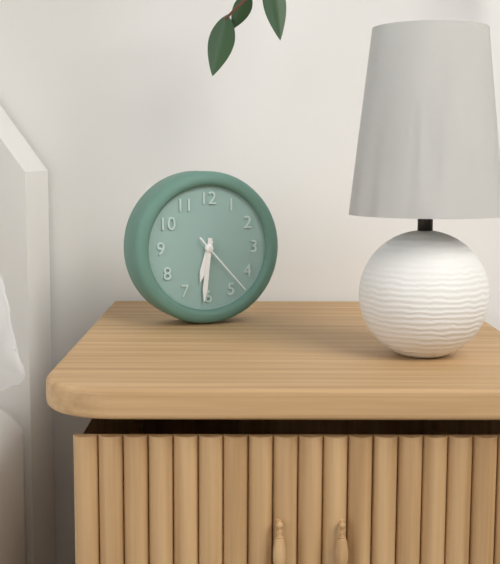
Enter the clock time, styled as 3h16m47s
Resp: 6h31m23s
